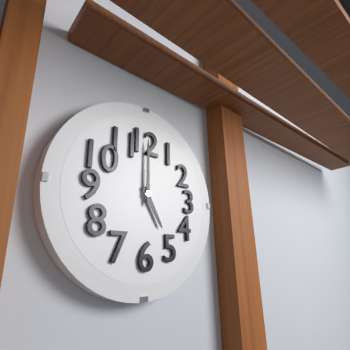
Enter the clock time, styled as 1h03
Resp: 5h00
